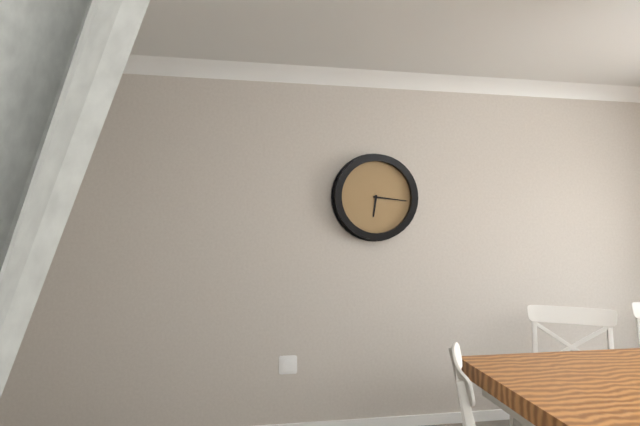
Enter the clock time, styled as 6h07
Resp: 6h16
